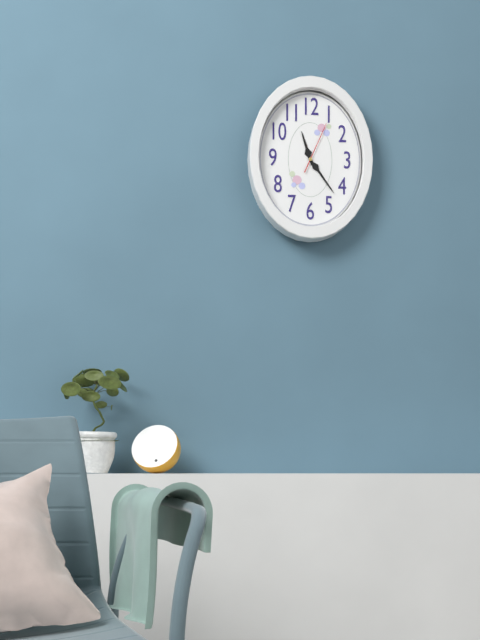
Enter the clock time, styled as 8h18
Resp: 11h24
